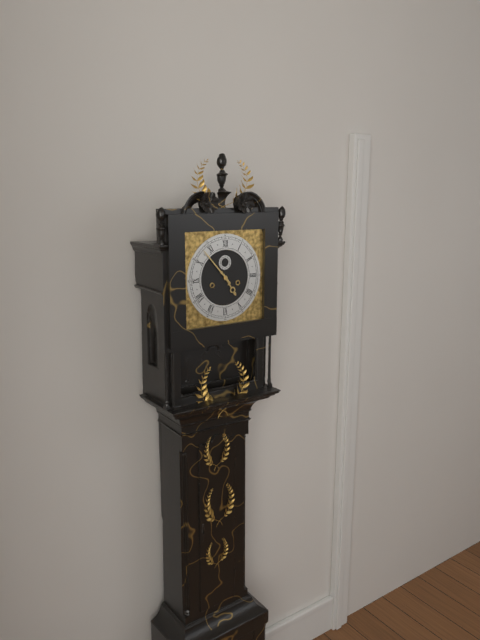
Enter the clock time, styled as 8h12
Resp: 4h53
